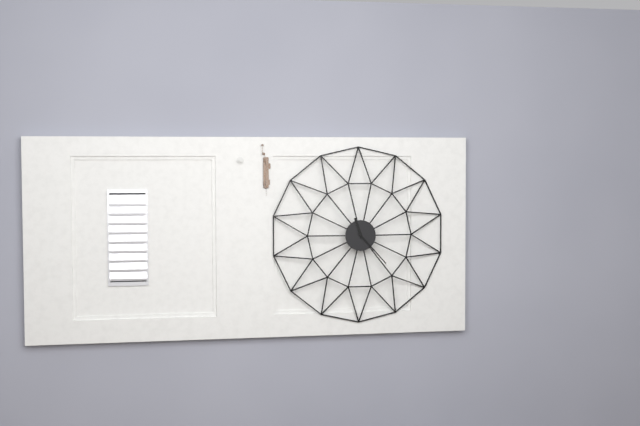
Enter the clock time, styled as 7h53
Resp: 11h23
